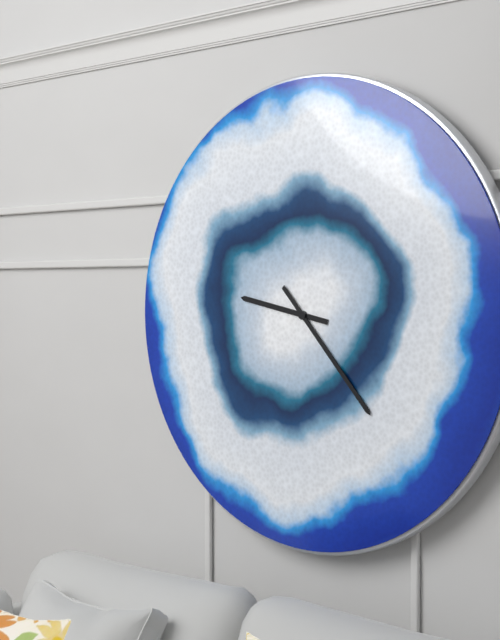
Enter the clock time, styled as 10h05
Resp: 9h23
